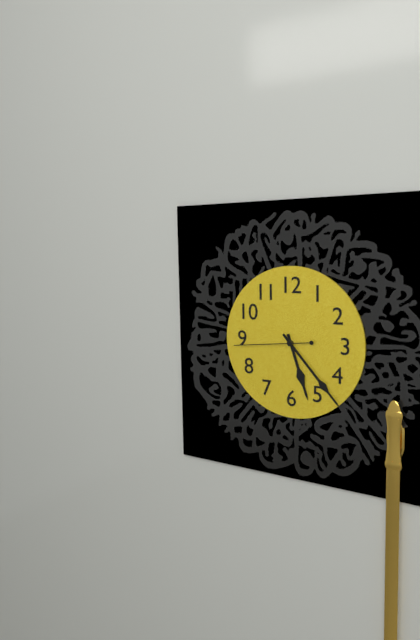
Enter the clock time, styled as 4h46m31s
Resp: 5h23m44s
